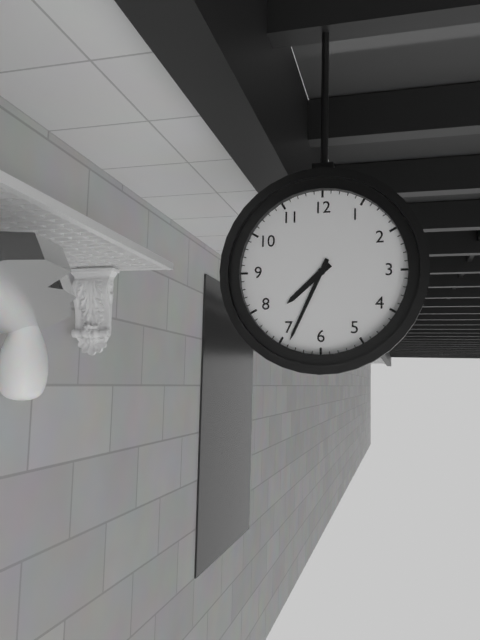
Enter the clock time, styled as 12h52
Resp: 7h34
